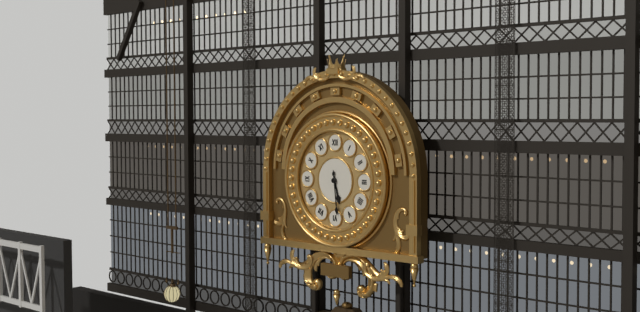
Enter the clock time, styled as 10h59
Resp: 5h29
